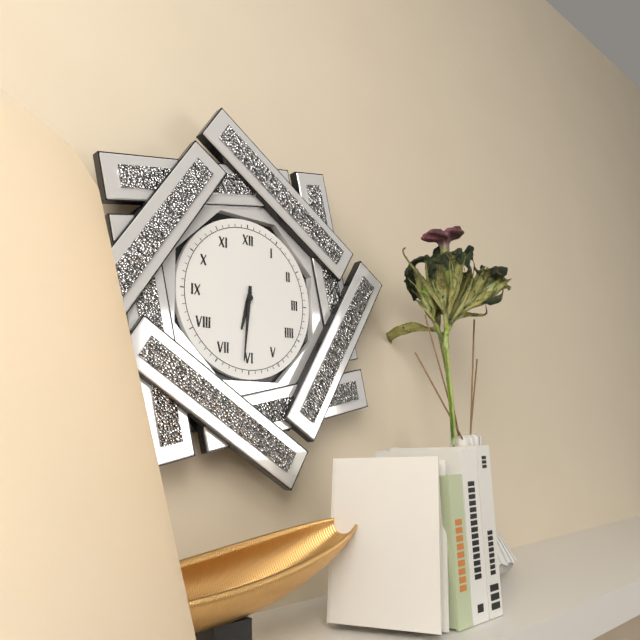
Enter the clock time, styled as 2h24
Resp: 6h31
